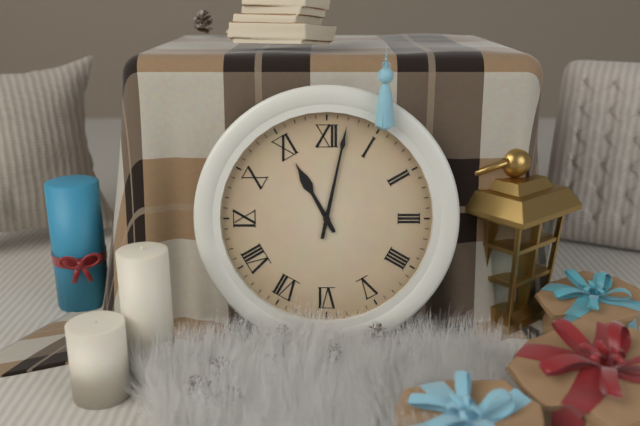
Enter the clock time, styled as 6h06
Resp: 11h02
